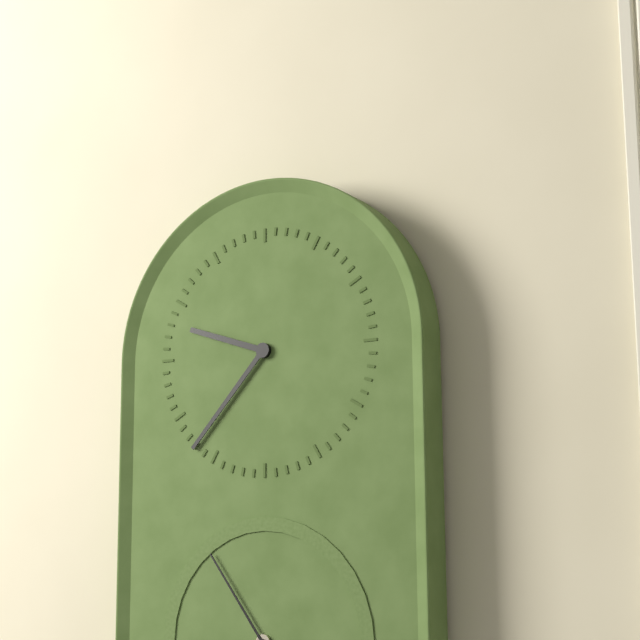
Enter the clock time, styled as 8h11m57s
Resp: 9h37m54s
